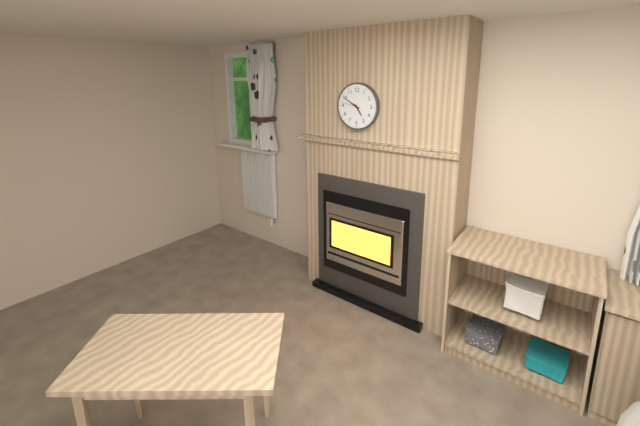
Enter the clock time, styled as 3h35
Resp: 4h50
